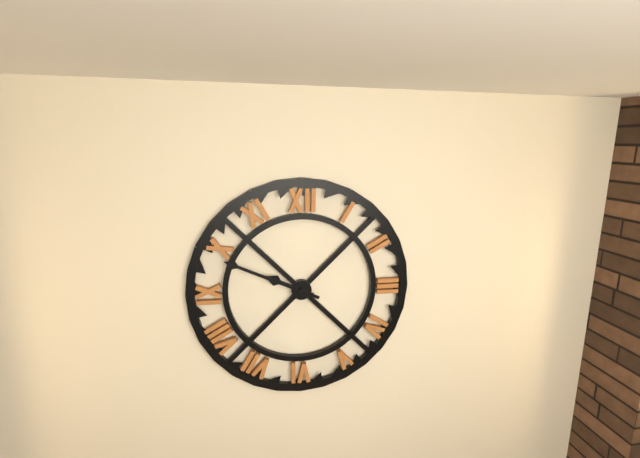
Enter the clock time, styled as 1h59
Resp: 9h49
